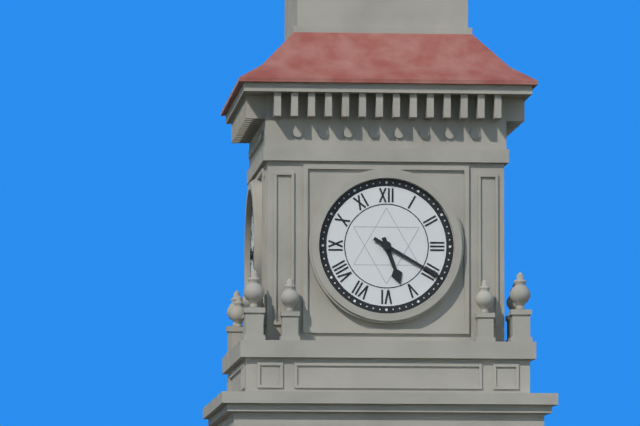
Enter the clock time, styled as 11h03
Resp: 5h20
